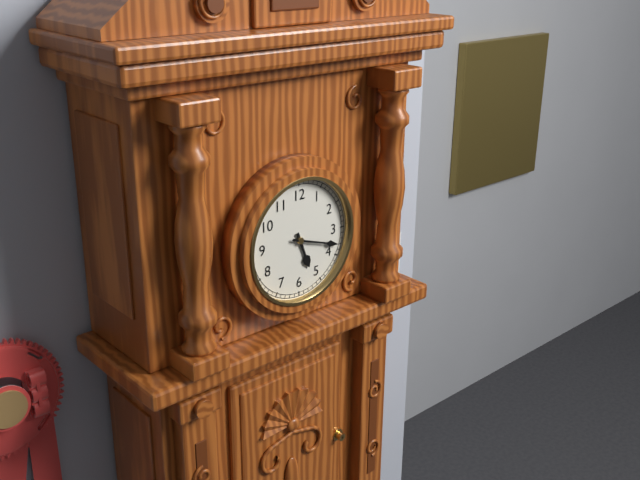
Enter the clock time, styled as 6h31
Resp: 5h18
